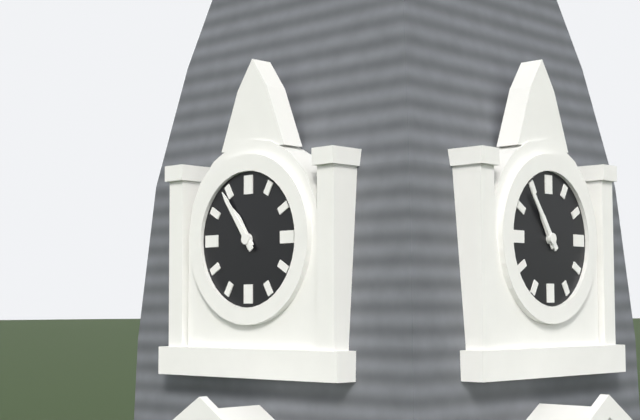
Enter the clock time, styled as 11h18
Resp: 10h54
